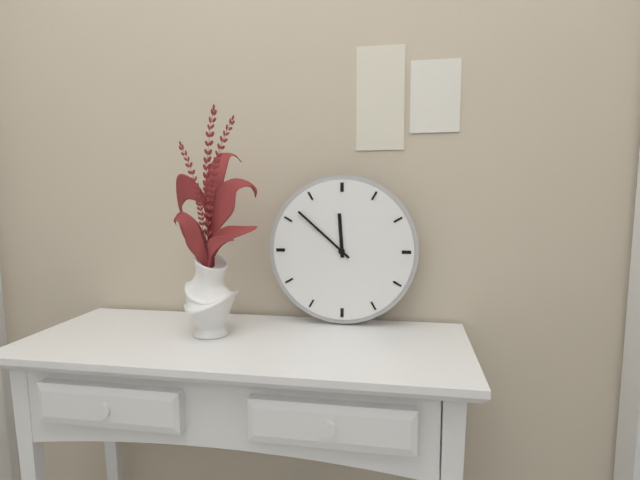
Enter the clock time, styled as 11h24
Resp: 11h52
